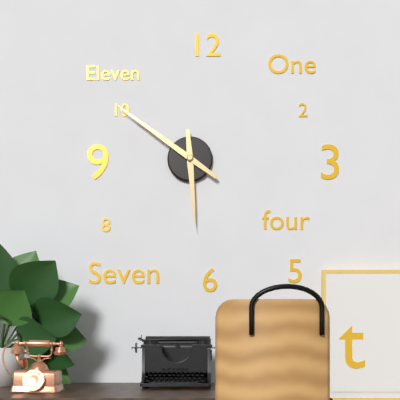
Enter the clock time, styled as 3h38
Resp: 5h51
